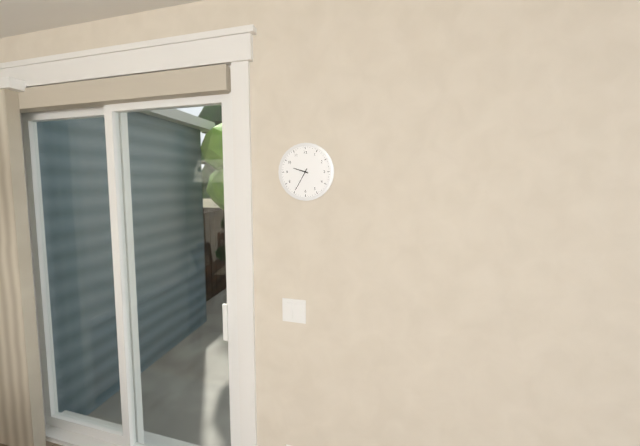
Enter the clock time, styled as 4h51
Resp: 9h35
